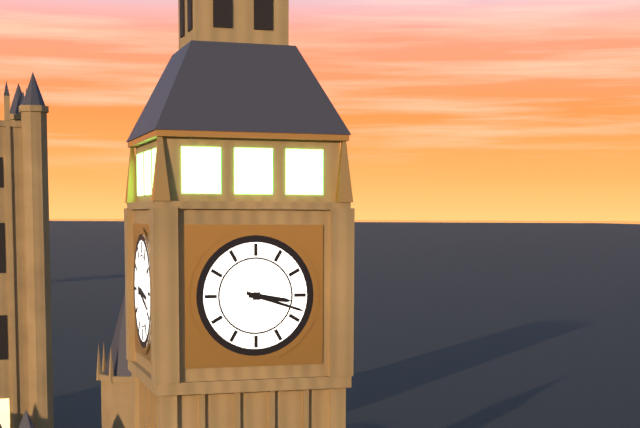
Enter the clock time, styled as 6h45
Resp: 3h18
